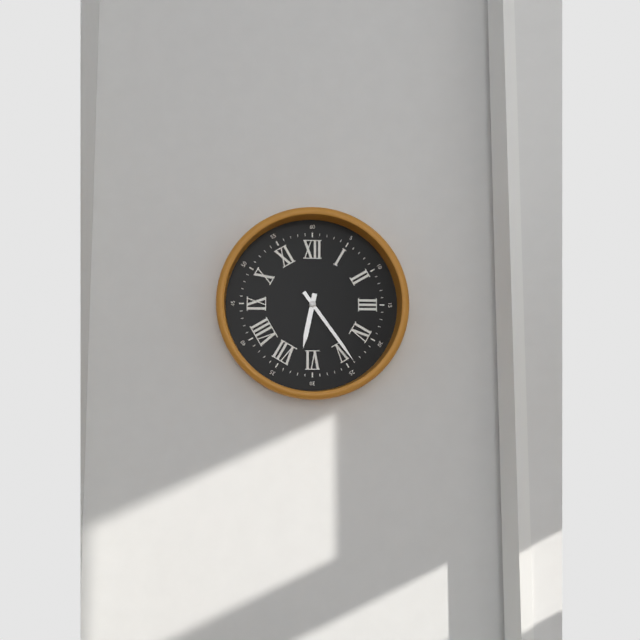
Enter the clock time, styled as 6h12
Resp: 6h24
